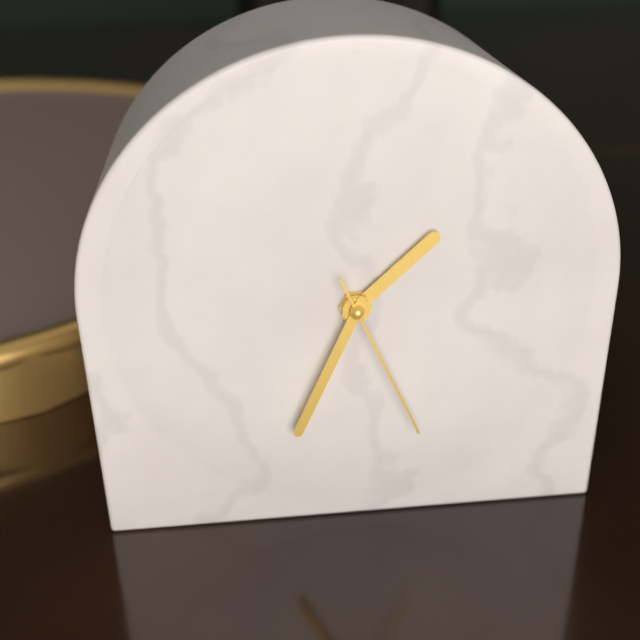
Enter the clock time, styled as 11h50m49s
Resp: 1h34m26s
